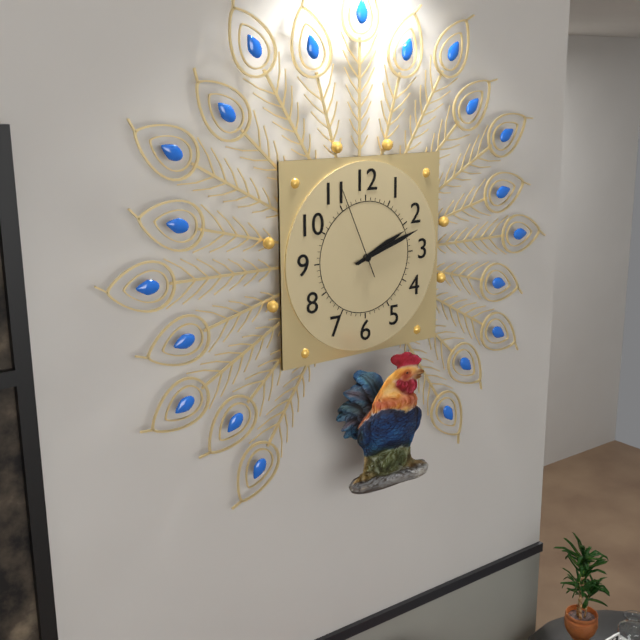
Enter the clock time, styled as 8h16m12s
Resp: 2h12m56s
